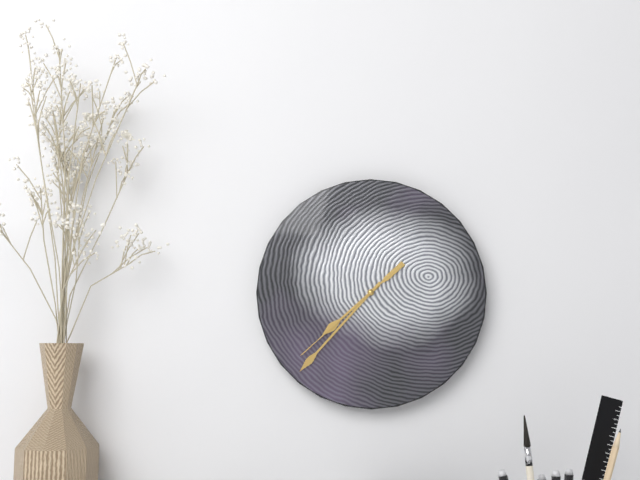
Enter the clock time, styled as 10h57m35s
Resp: 7h37m38s
